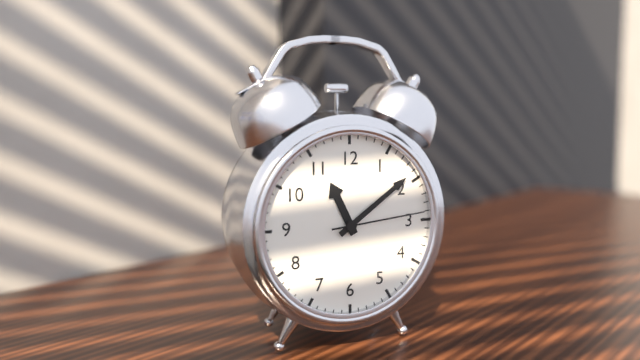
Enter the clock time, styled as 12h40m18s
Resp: 11h09m14s
